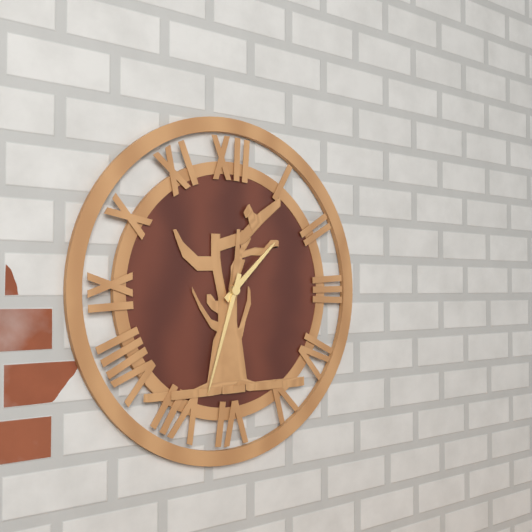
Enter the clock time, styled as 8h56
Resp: 1h33
